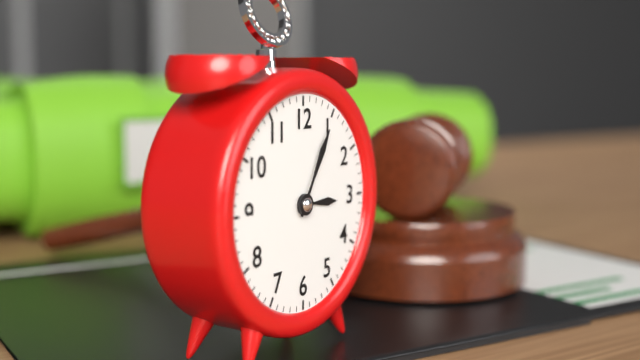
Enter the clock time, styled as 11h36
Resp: 3h05
